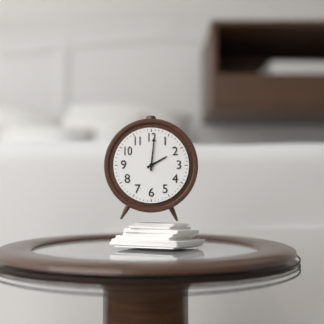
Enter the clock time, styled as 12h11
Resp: 2h01
